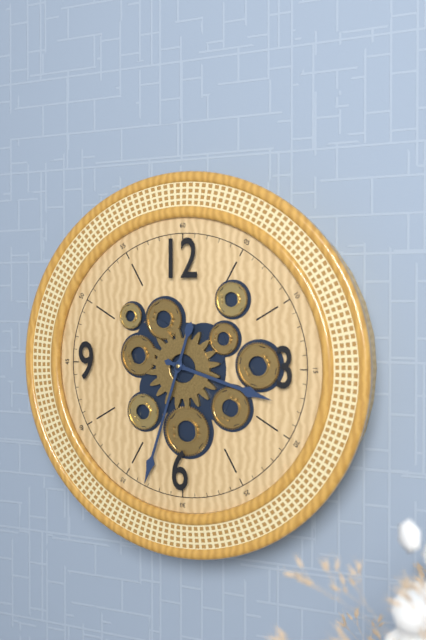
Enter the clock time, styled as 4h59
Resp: 3h33
